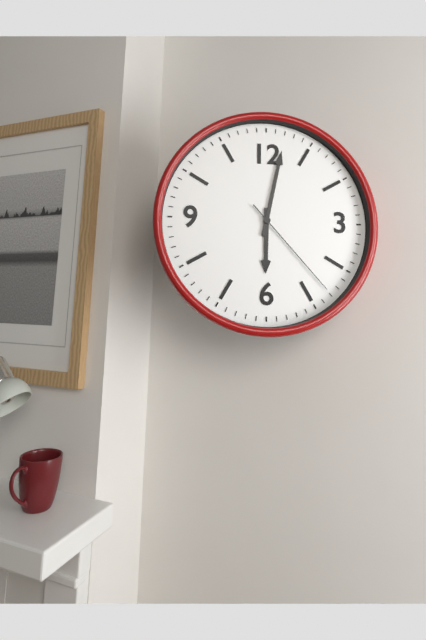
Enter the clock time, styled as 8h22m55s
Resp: 6h02m23s
